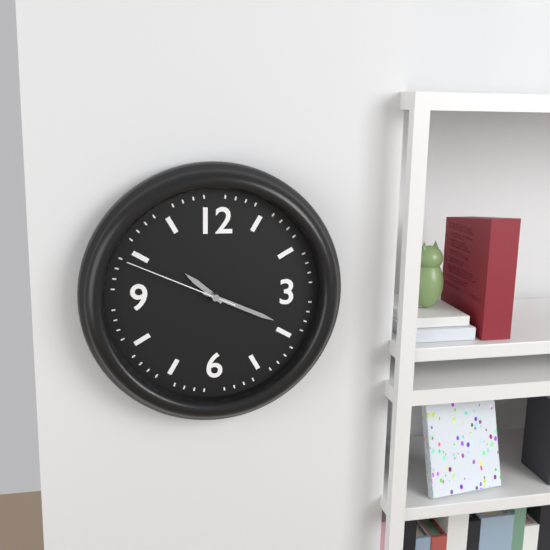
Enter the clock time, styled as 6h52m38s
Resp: 10h19m49s
